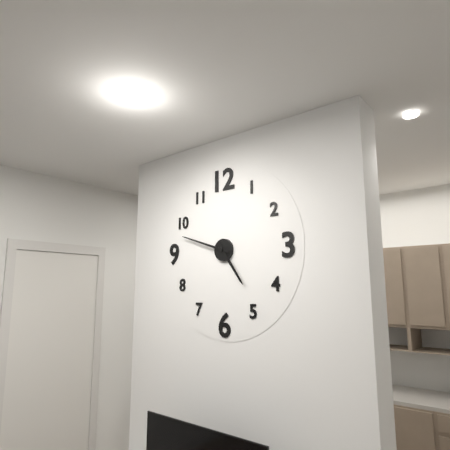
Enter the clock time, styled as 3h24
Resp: 4h48
